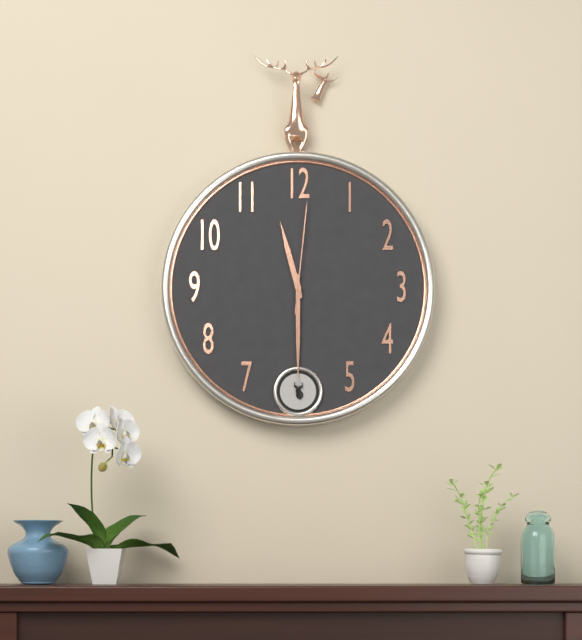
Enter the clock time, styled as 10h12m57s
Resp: 11h30m01s
